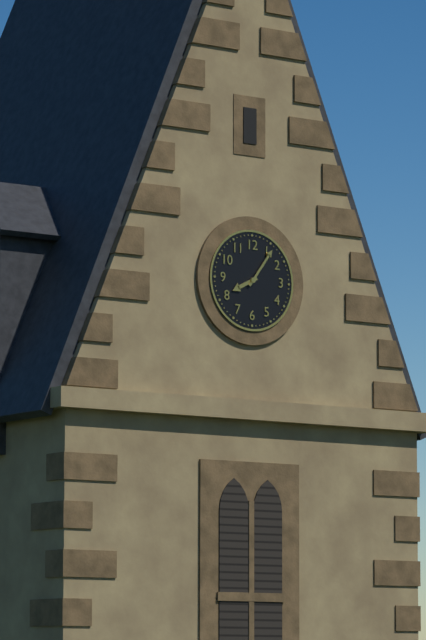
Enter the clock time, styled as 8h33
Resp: 8h06
